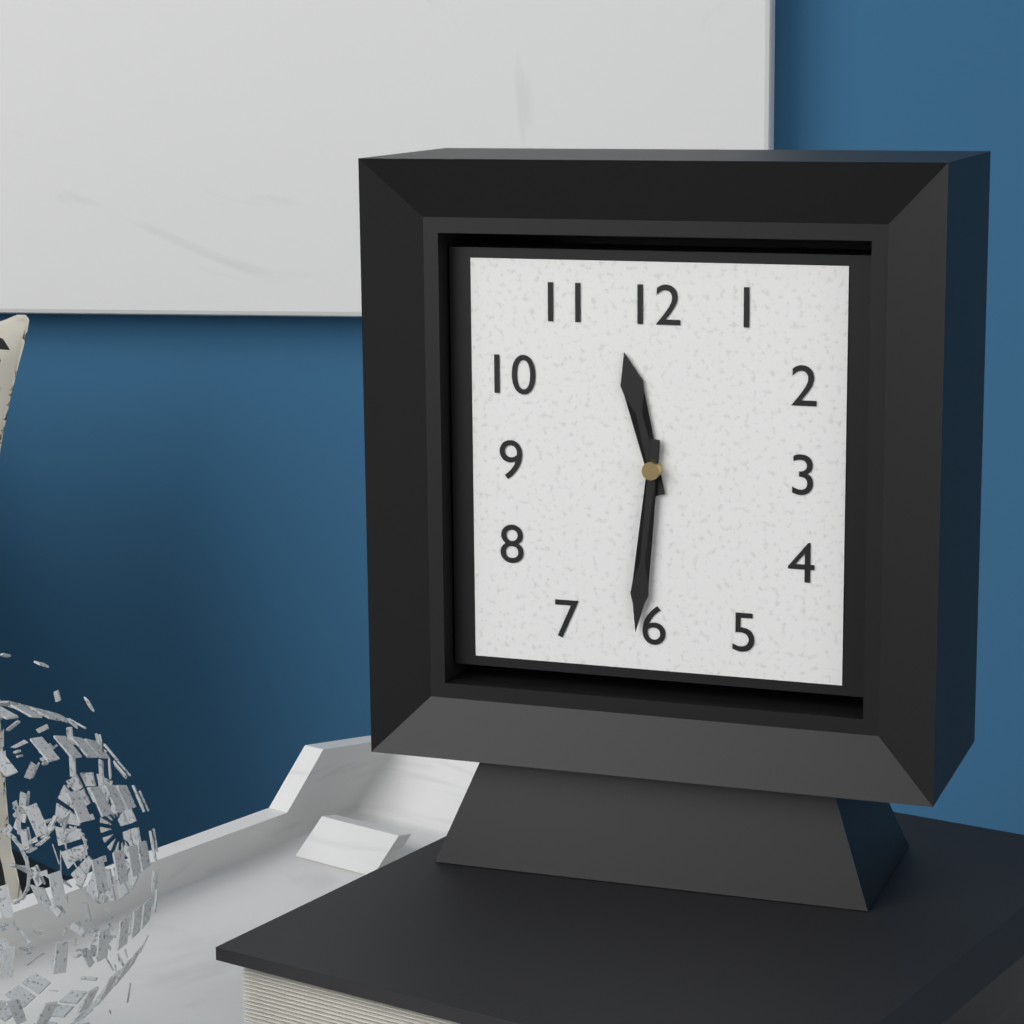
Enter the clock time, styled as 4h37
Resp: 11h31
